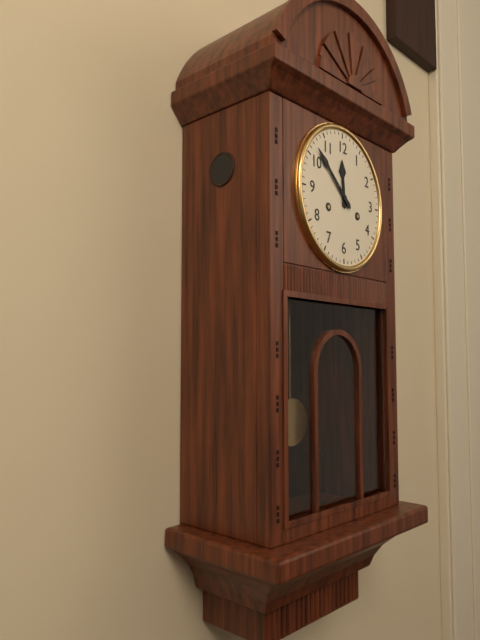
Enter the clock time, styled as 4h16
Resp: 11h52
